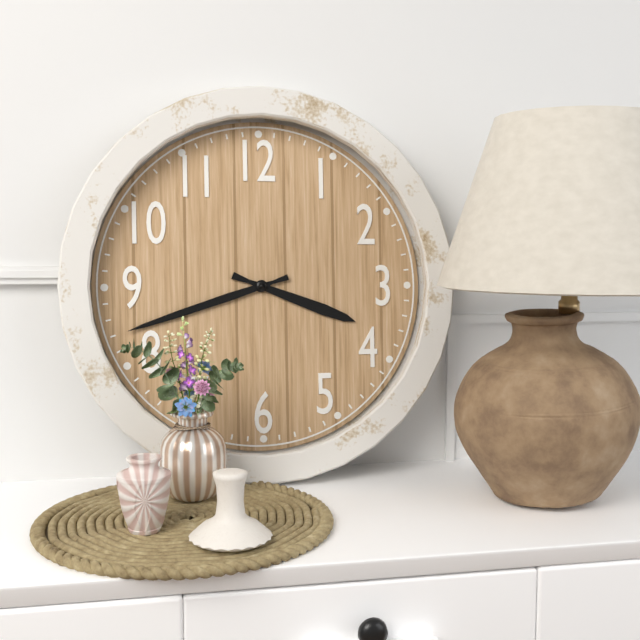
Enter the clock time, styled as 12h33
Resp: 3h42
